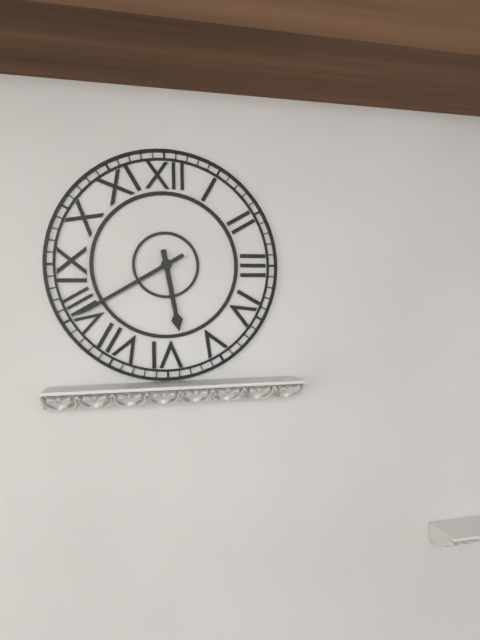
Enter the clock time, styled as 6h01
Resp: 5h40
